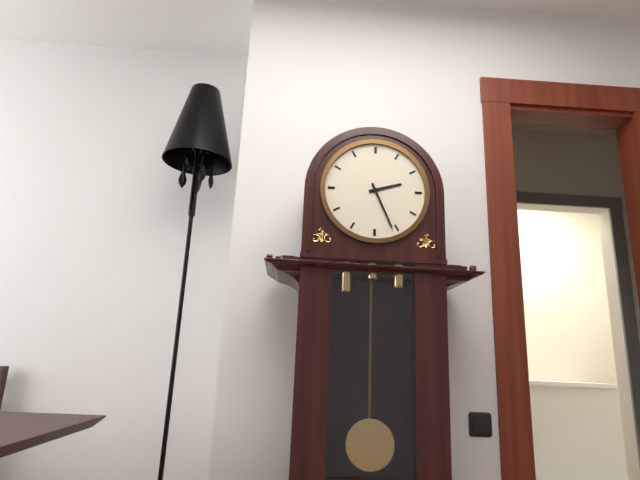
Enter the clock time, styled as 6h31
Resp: 2h26
